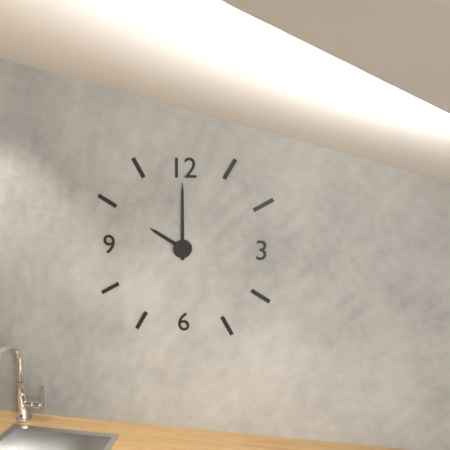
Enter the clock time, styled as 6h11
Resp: 10h00
